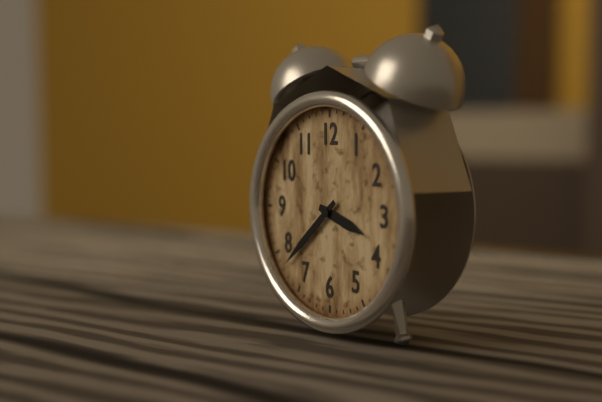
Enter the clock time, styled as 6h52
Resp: 3h38
